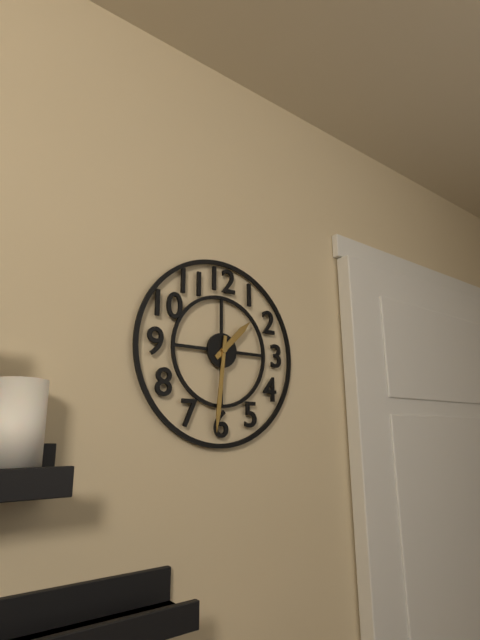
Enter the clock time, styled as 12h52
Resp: 1h31
